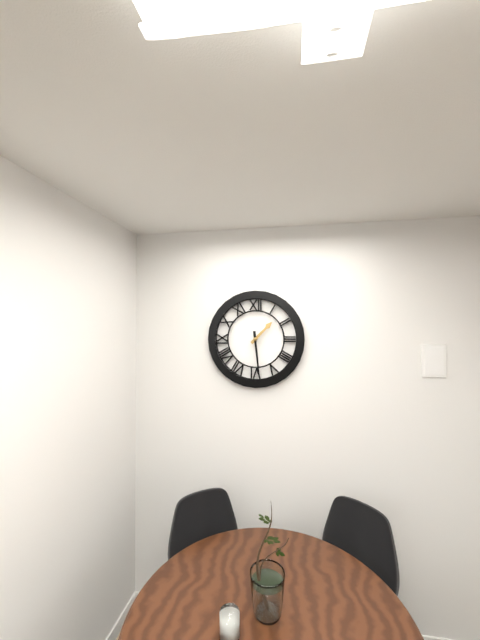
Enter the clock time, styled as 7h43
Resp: 1h29
